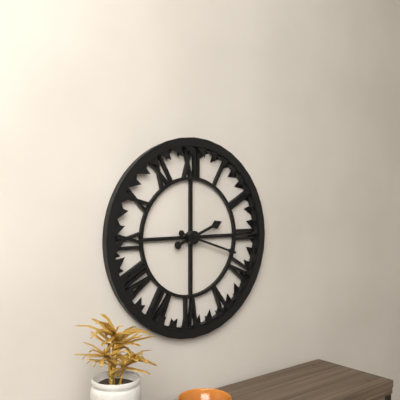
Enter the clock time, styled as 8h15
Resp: 2h18
